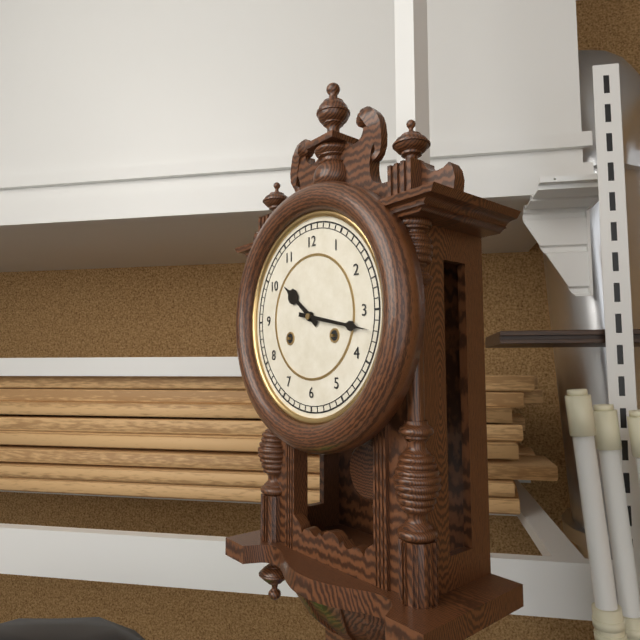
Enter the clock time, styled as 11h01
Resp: 10h17
